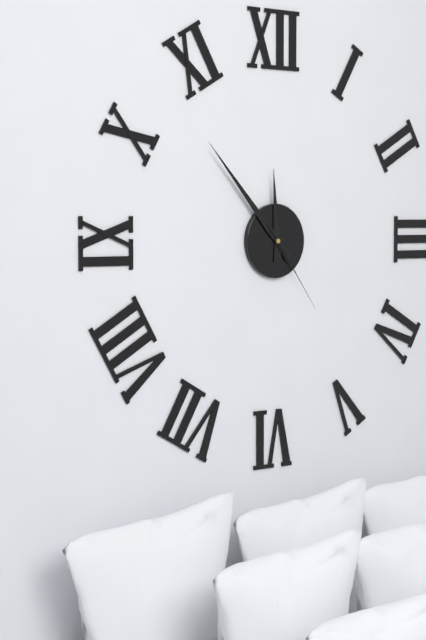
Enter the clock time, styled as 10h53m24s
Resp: 11h53m24s
